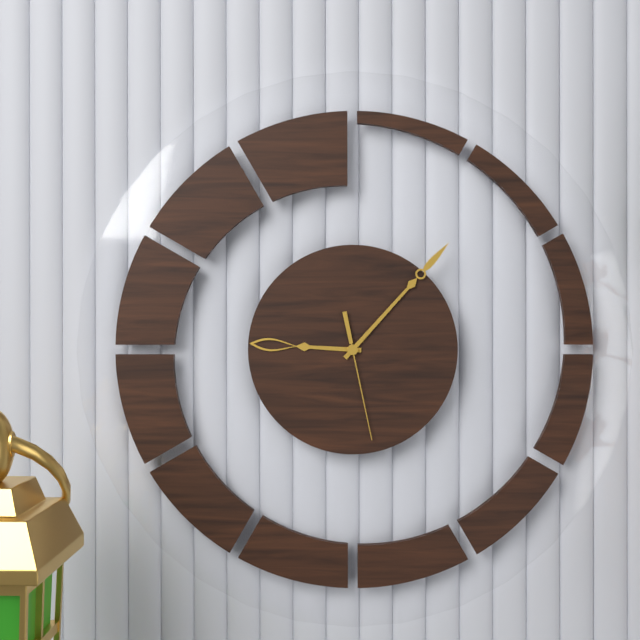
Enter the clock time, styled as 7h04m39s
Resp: 9h07m28s
